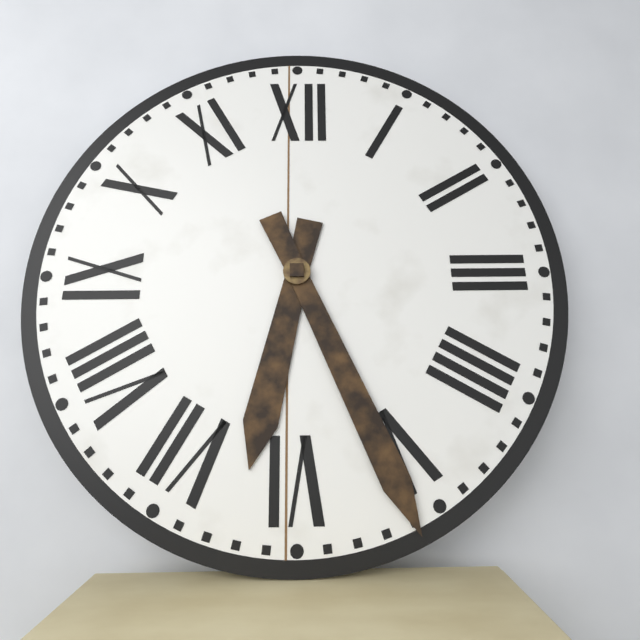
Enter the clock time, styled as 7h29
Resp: 6h26
